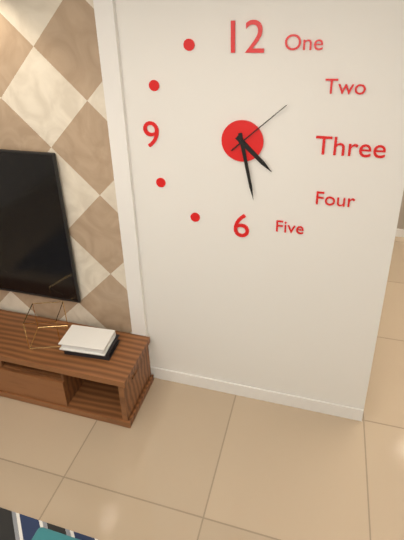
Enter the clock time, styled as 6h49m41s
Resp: 4h28m08s
